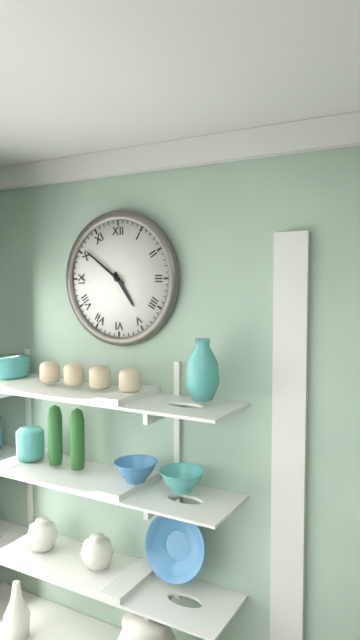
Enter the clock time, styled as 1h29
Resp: 4h51
